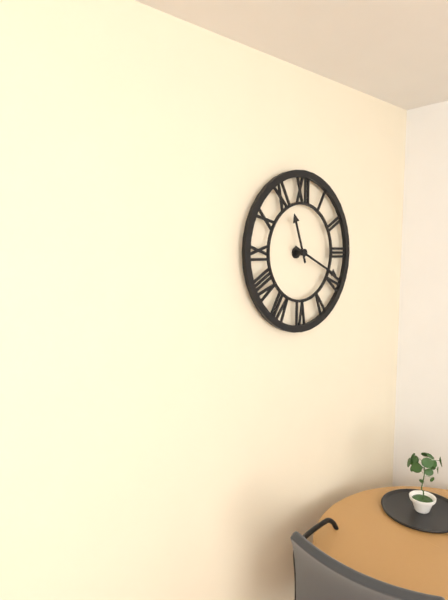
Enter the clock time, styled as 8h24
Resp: 11h19
